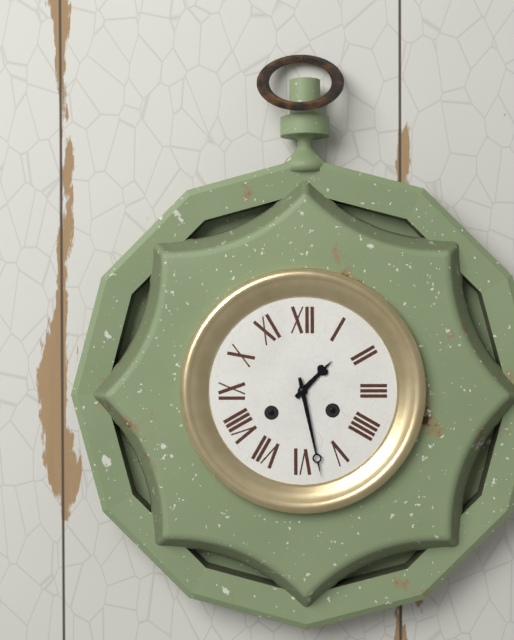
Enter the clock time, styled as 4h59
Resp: 1h28
